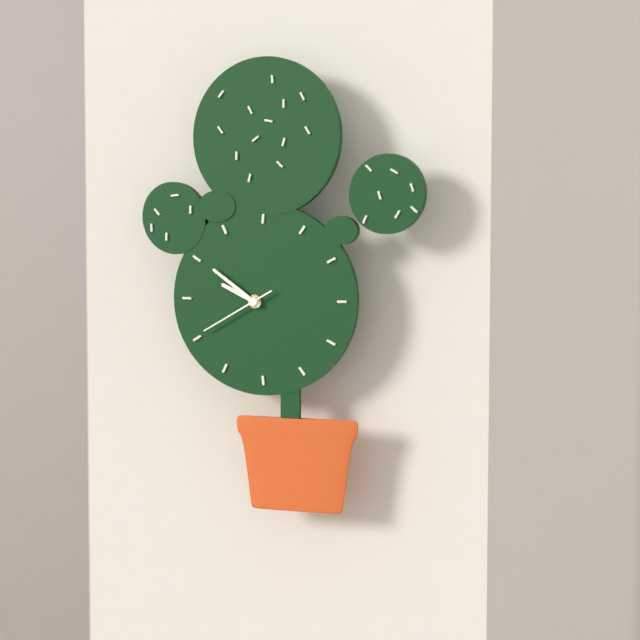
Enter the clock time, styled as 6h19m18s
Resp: 9h51m40s
